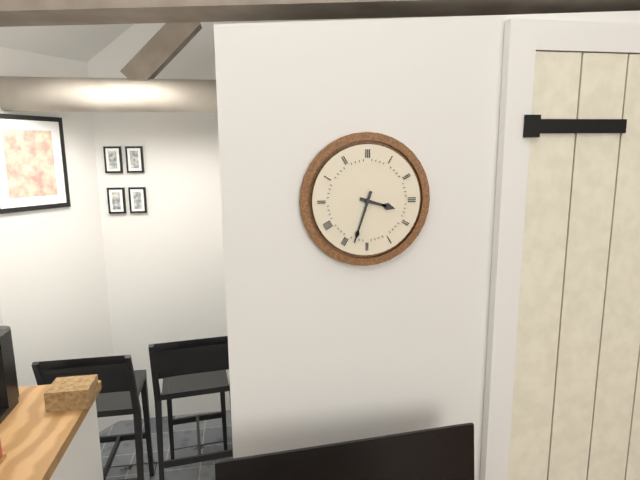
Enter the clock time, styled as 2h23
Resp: 3h33
